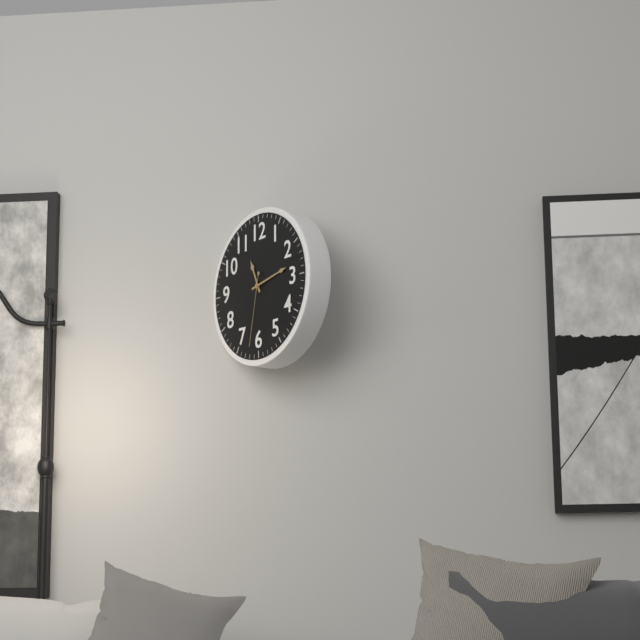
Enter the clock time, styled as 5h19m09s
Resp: 11h13m32s
